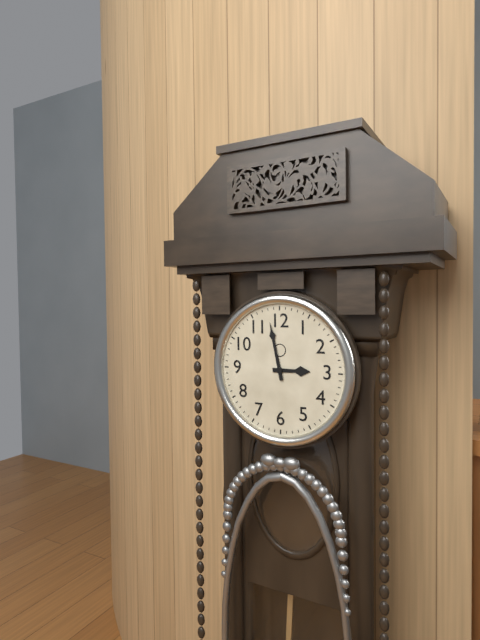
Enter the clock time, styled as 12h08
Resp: 2h58
